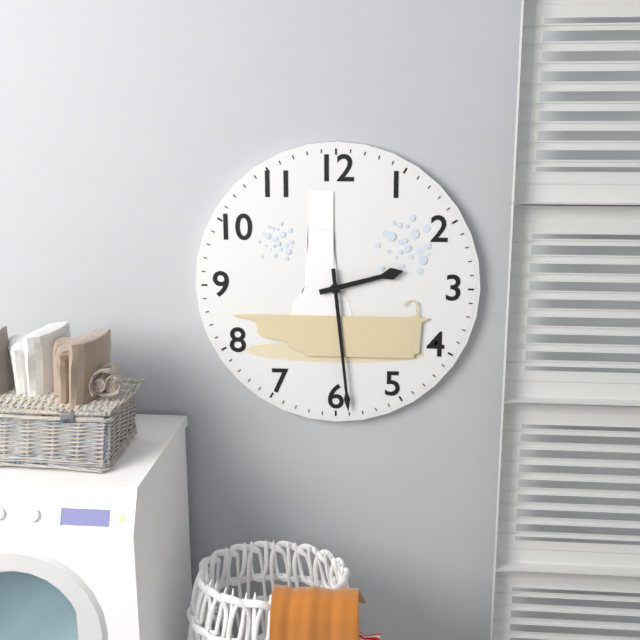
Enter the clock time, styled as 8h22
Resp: 2h29
